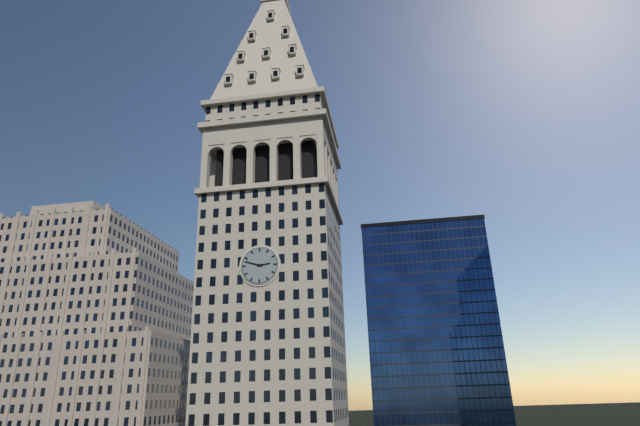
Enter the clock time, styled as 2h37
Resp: 2h48
